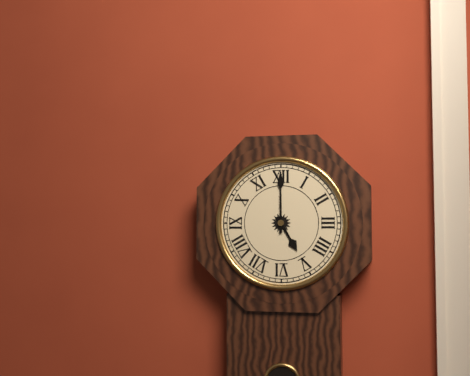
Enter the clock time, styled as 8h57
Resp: 5h00
